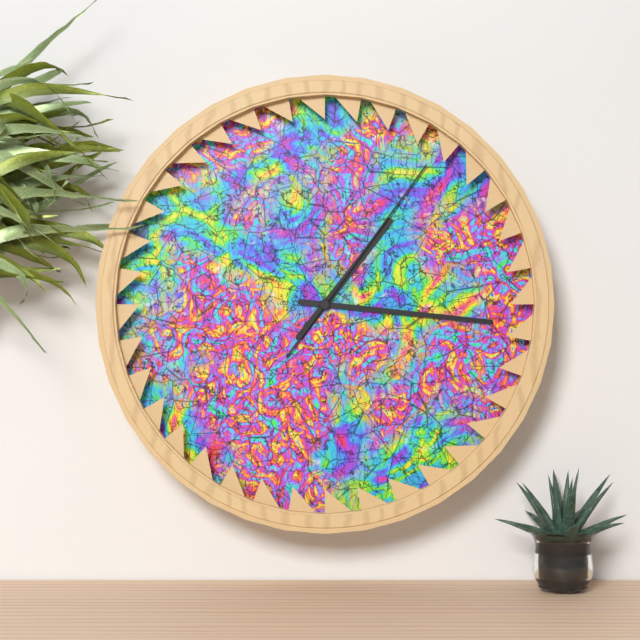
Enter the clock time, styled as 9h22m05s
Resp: 1h16m06s
